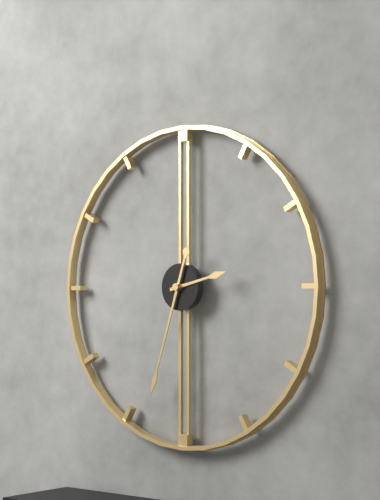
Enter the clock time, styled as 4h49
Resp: 2h33
